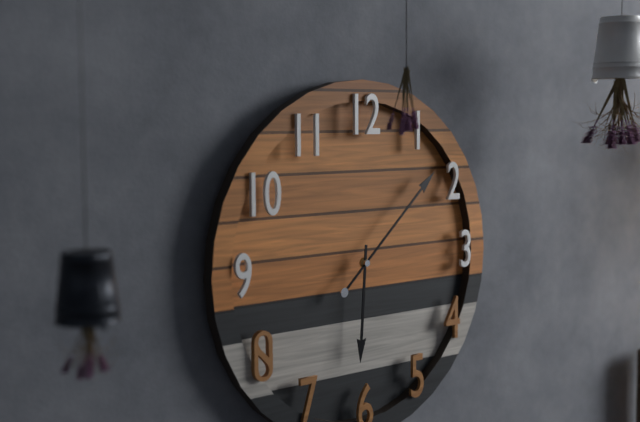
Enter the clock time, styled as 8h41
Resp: 6h08
